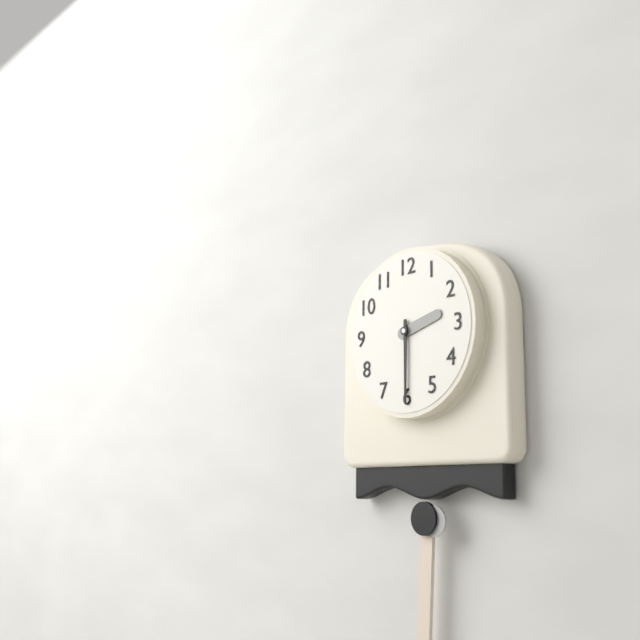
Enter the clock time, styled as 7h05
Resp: 2h30
